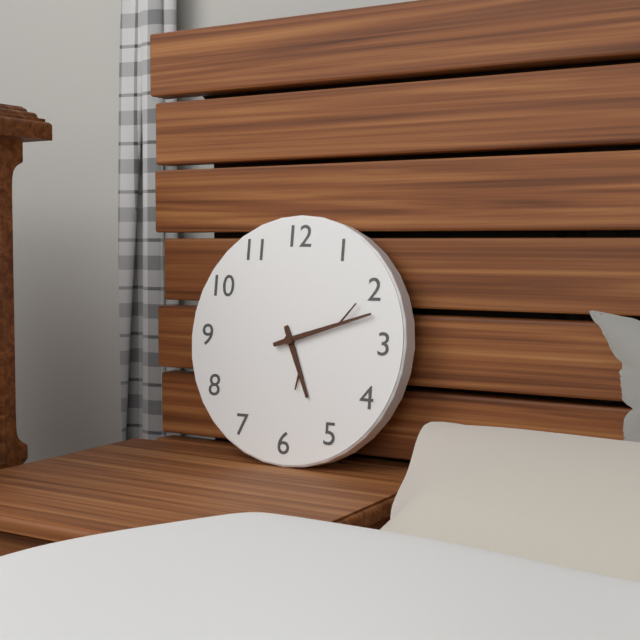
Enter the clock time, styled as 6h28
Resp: 5h12
